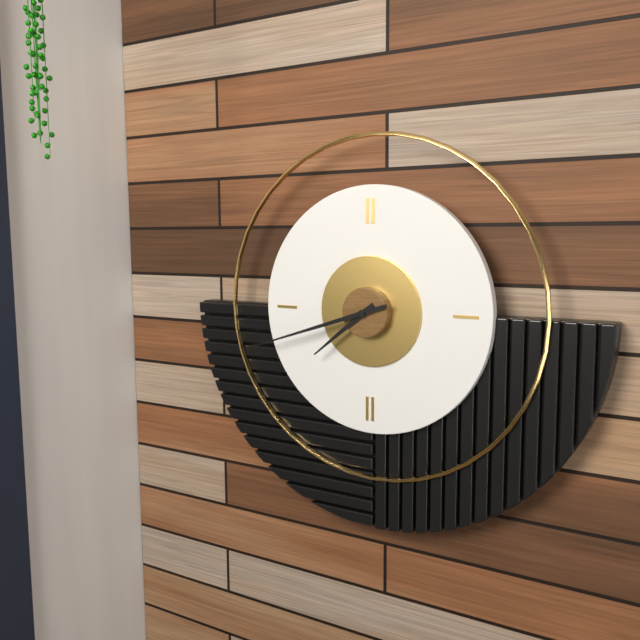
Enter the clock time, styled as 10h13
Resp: 7h42
